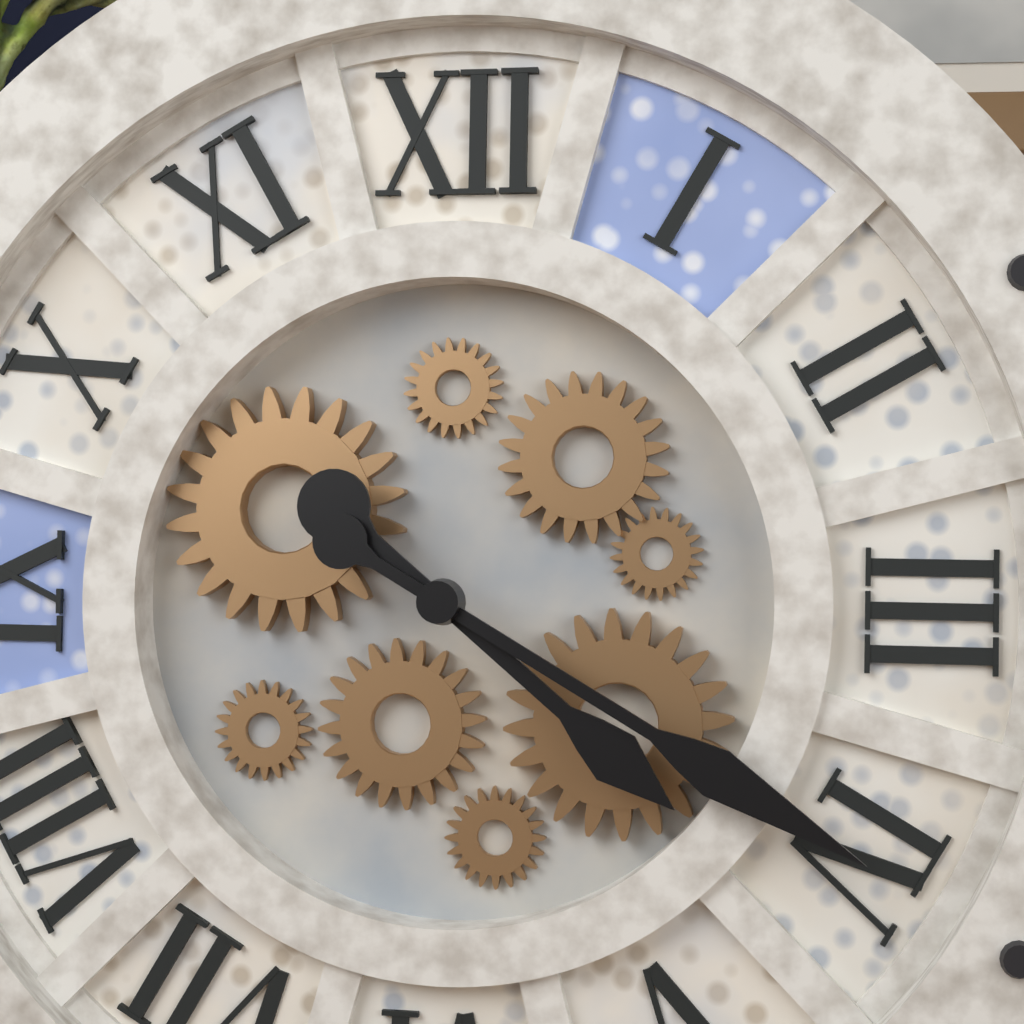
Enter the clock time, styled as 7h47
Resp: 4h20
